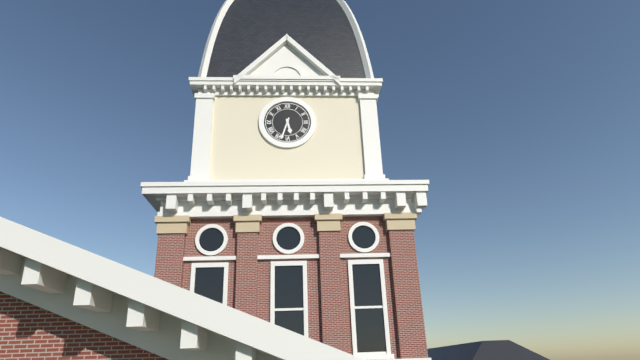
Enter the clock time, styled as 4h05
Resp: 5h33
